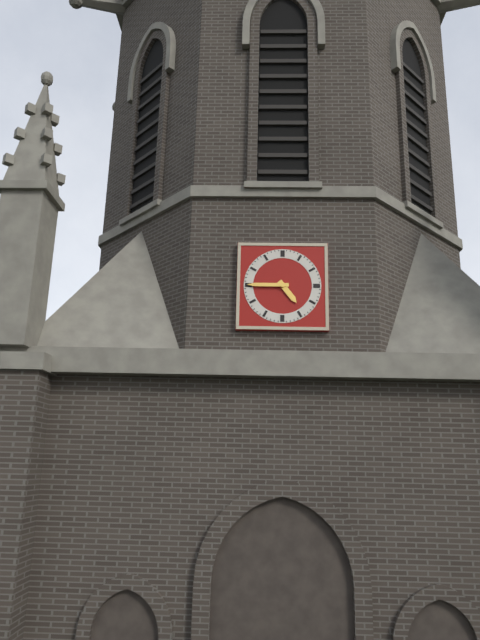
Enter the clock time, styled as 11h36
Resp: 4h45
